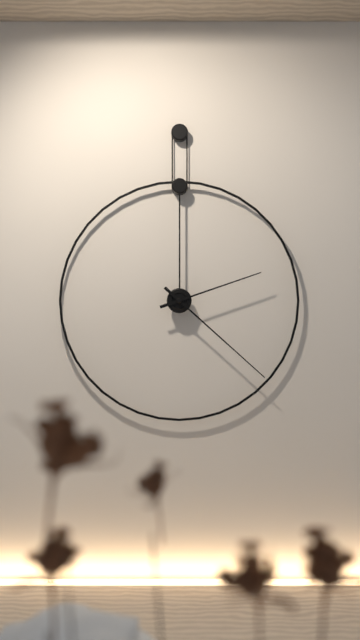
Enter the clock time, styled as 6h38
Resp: 2h22
